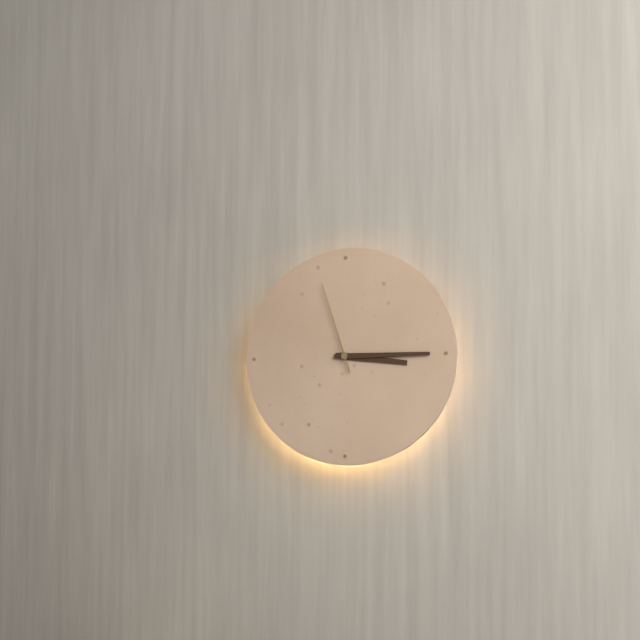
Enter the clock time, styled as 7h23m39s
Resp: 3h15m57s
